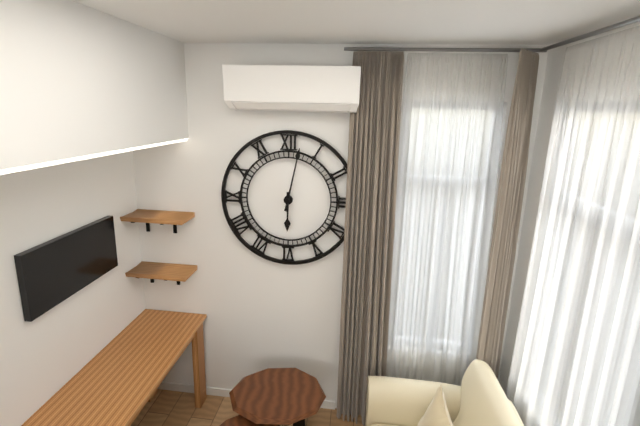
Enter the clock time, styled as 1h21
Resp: 6h02
